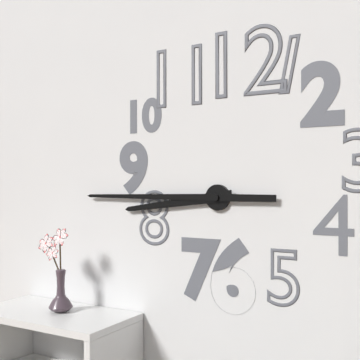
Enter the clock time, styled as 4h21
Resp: 8h45
